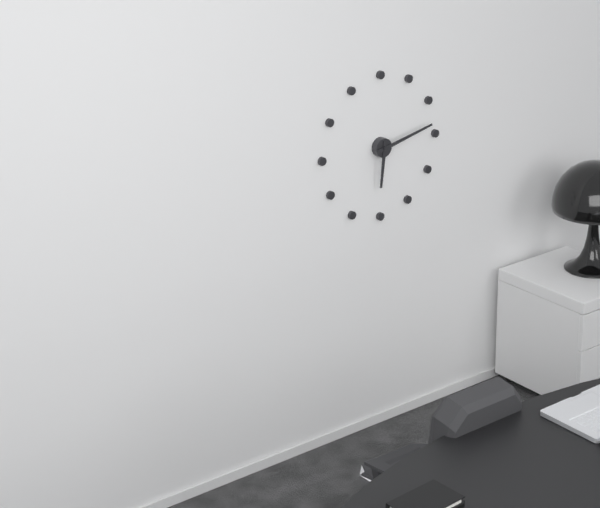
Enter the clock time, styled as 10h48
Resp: 6h13
